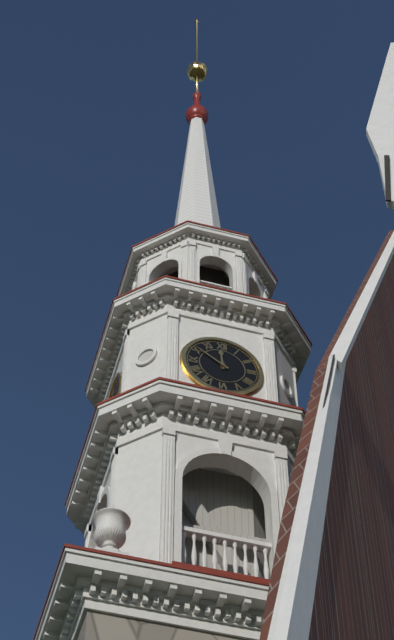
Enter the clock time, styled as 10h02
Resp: 11h51
